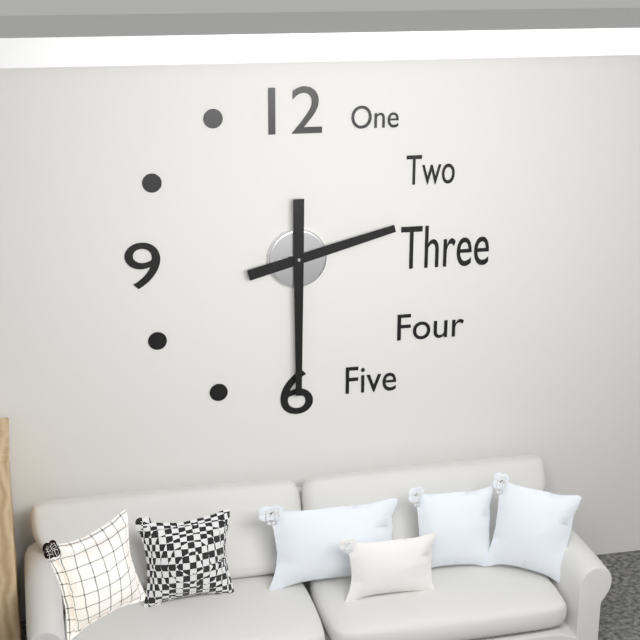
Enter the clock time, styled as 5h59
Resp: 2h30
